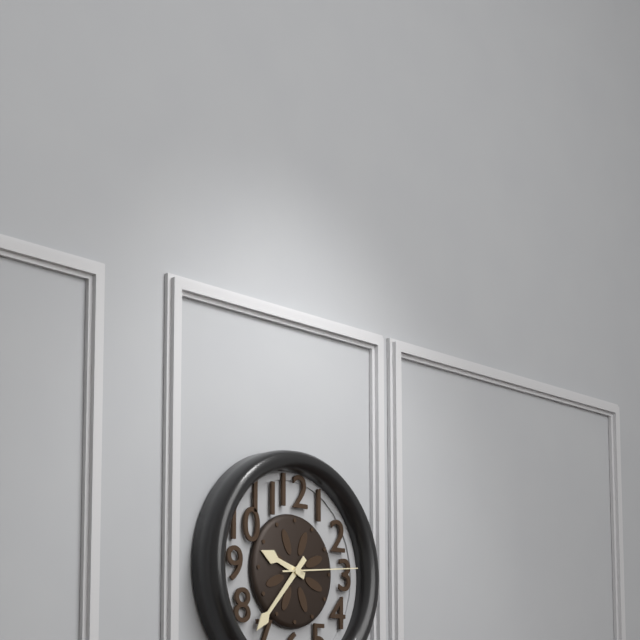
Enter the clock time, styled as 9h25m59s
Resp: 9h37m14s
